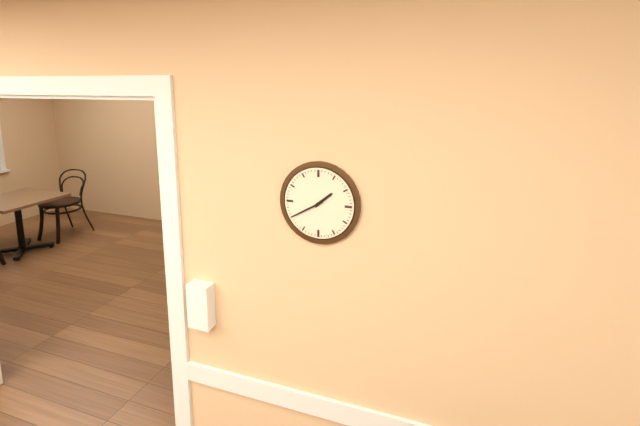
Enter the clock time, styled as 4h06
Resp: 1h40
